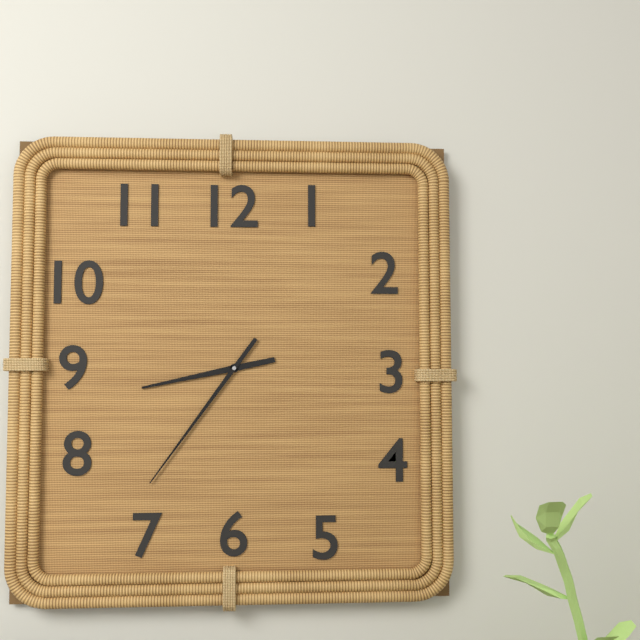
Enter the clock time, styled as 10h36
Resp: 8h36
